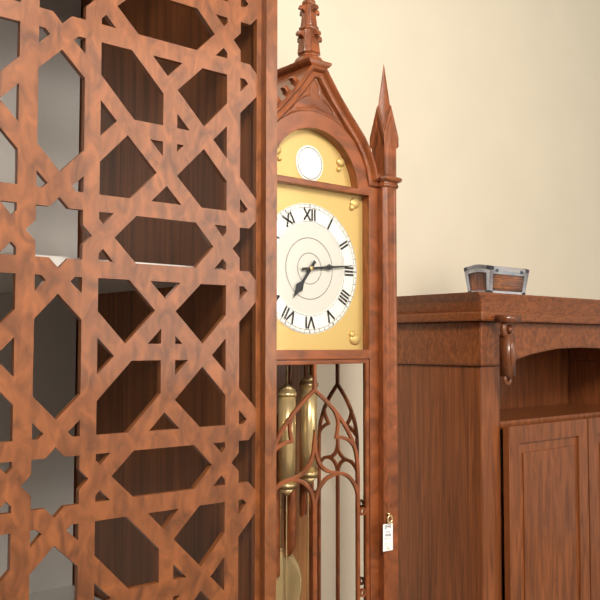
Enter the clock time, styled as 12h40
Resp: 7h14
